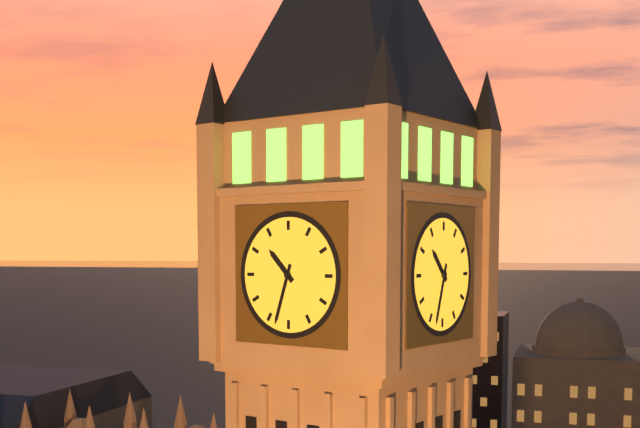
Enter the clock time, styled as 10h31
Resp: 10h33
